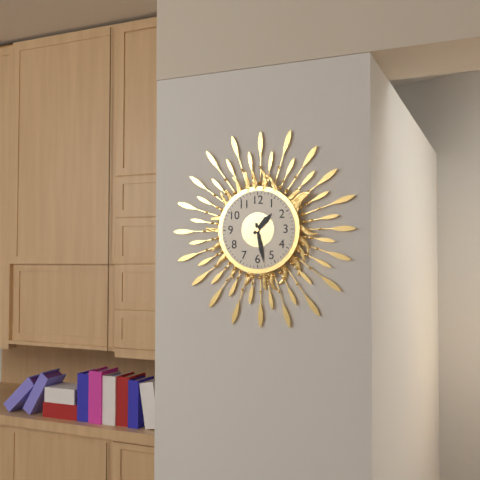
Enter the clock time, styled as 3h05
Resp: 1h28
